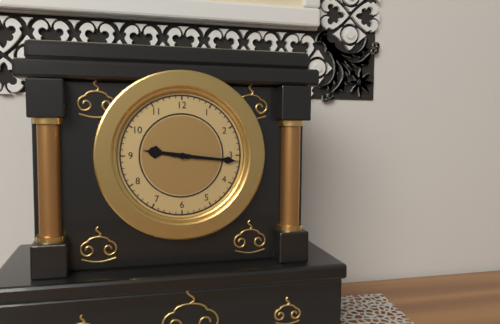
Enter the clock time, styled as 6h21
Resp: 9h16
